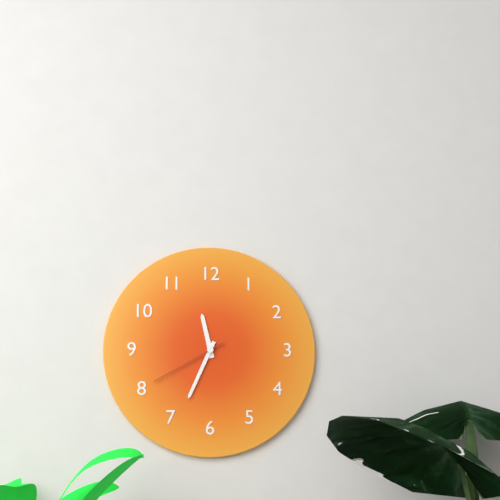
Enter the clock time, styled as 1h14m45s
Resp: 11h34m40s
